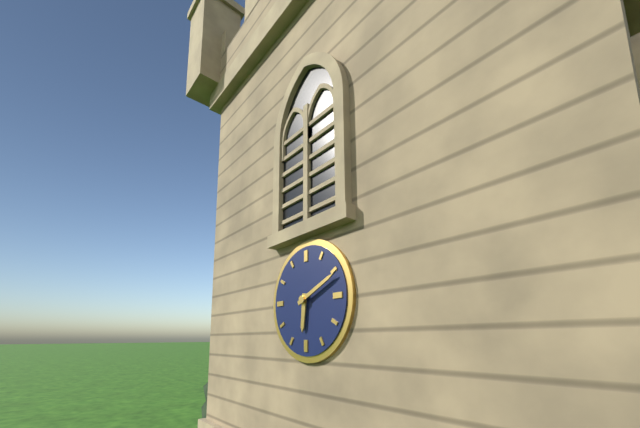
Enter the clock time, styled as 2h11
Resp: 6h11
